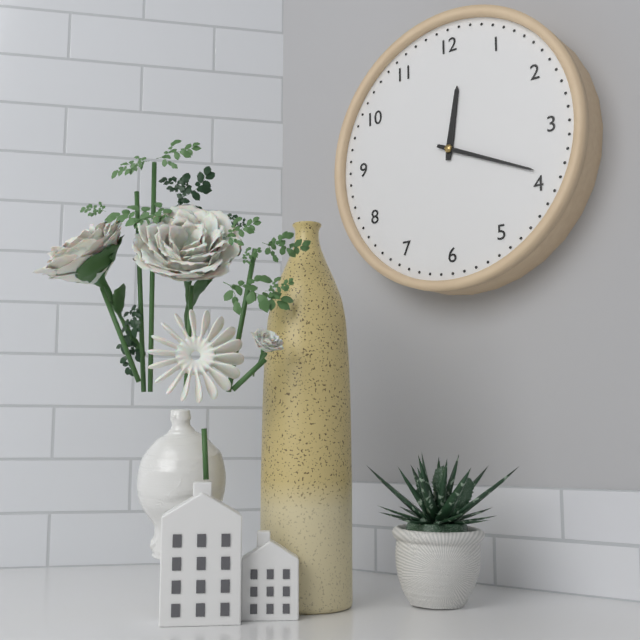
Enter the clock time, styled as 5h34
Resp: 12h19
